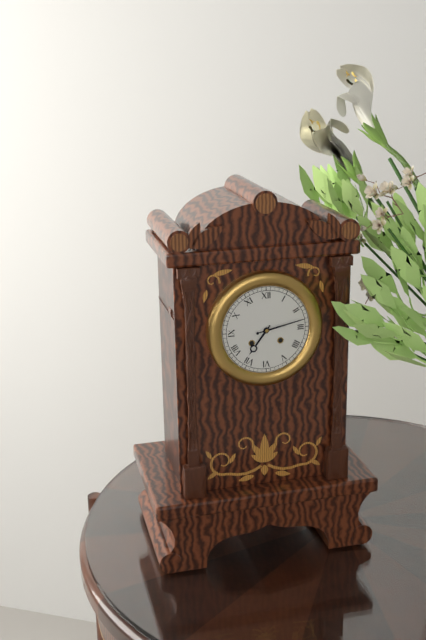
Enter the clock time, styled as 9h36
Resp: 7h13
